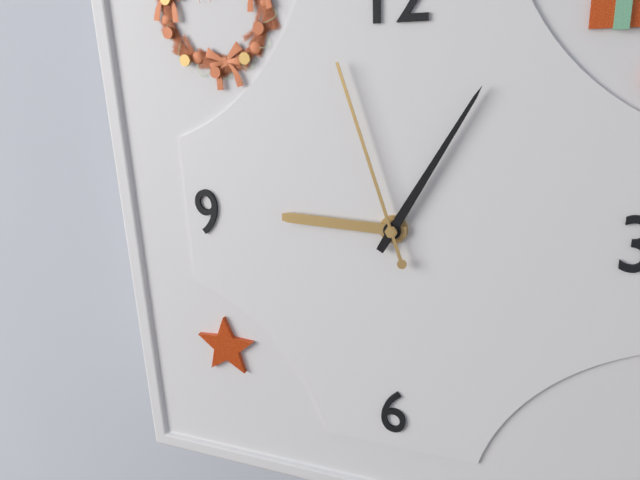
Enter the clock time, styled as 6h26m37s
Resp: 9h05m57s
